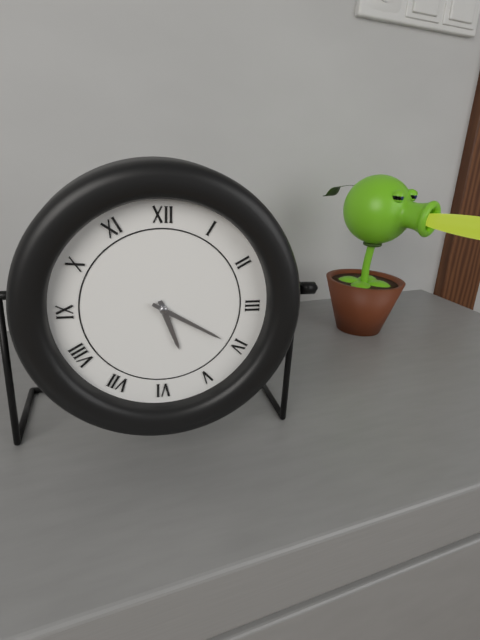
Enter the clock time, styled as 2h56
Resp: 5h20
